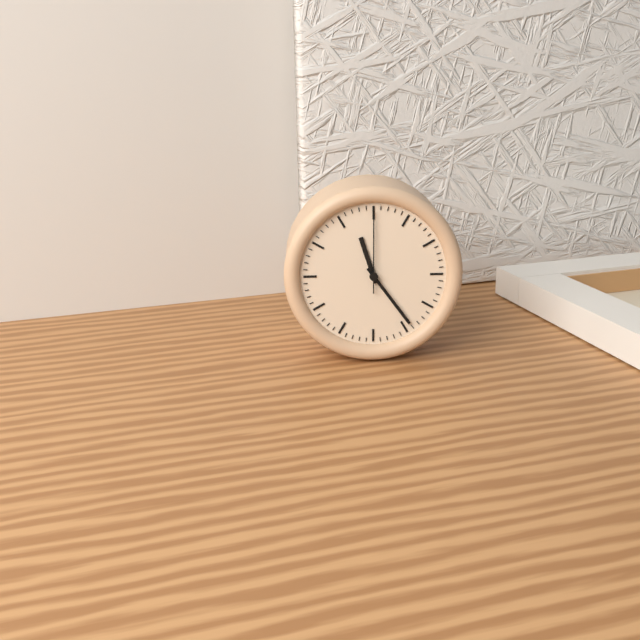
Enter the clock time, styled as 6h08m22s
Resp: 11h24m00s
